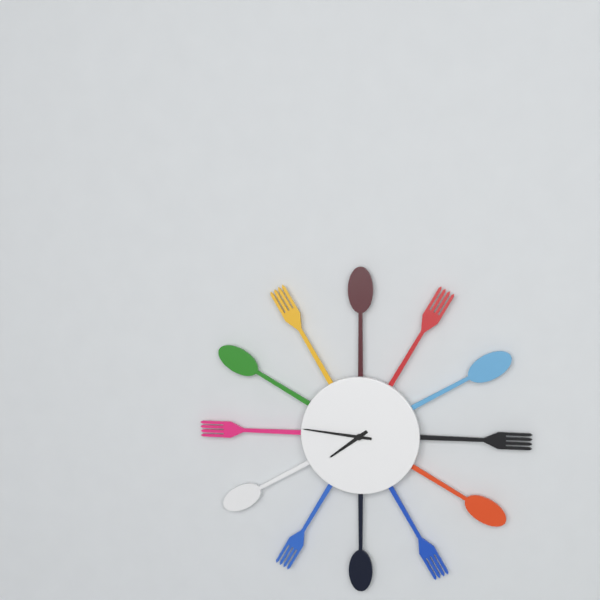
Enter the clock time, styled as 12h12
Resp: 7h46
